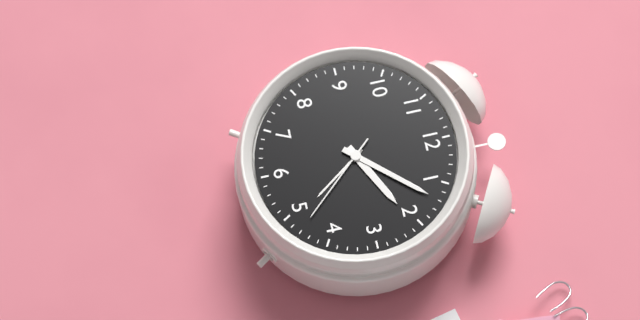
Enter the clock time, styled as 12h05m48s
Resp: 2h07m23s
